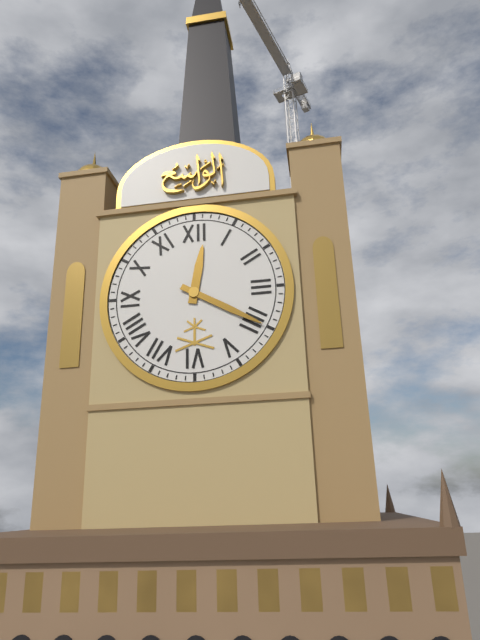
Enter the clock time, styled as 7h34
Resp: 12h20
